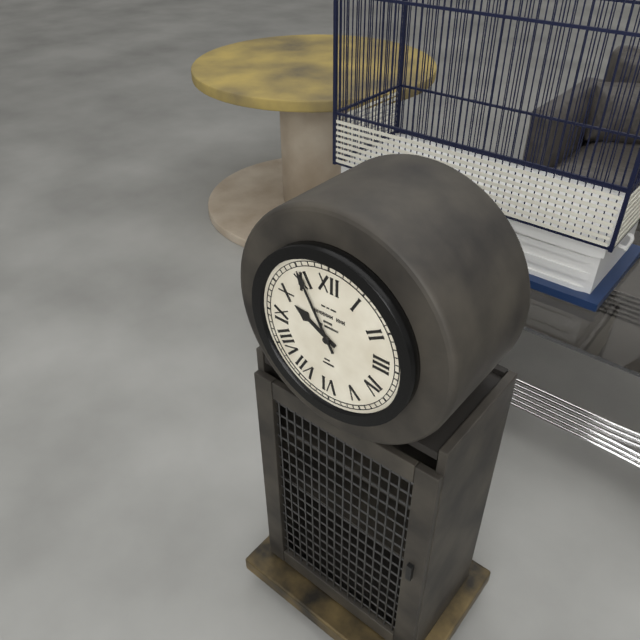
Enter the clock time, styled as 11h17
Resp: 9h55
